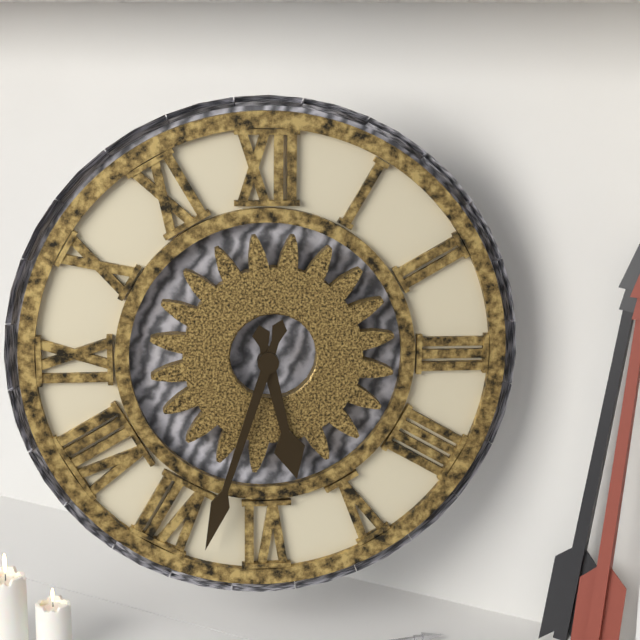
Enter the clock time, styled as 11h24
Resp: 5h33
